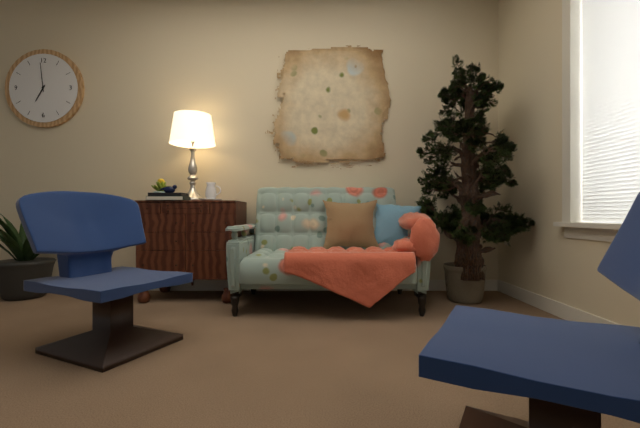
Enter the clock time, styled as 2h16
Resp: 6h59
